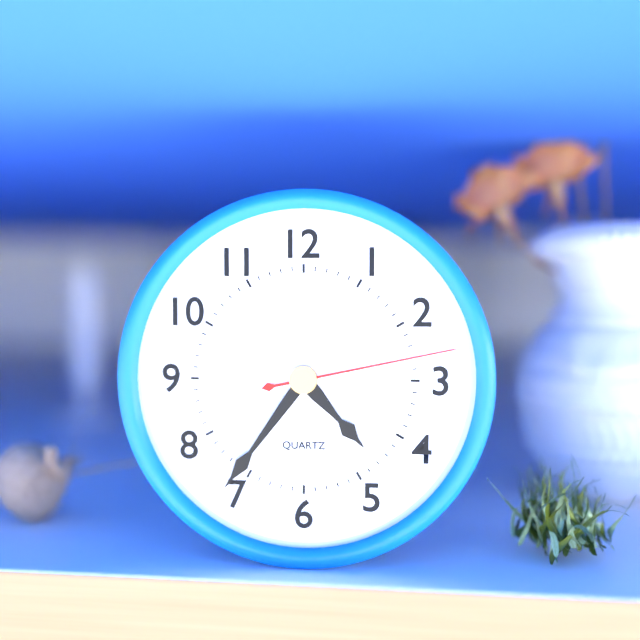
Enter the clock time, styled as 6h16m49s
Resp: 4h36m13s
